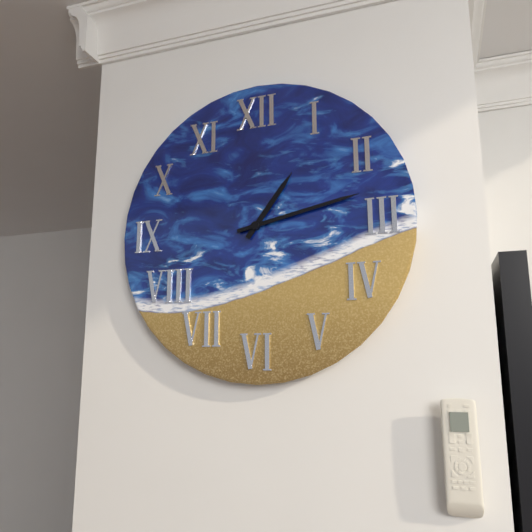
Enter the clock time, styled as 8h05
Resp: 1h13
